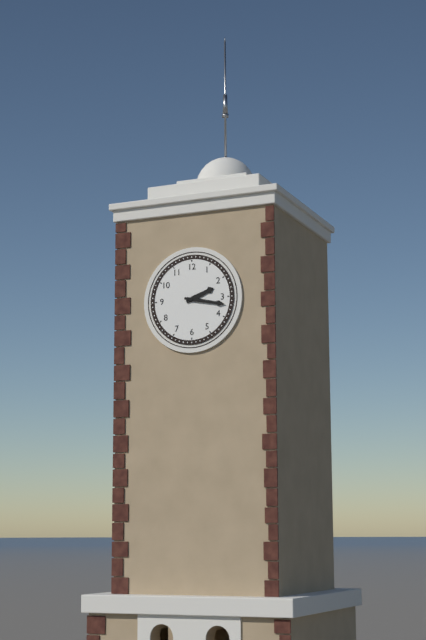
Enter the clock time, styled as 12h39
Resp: 2h17
